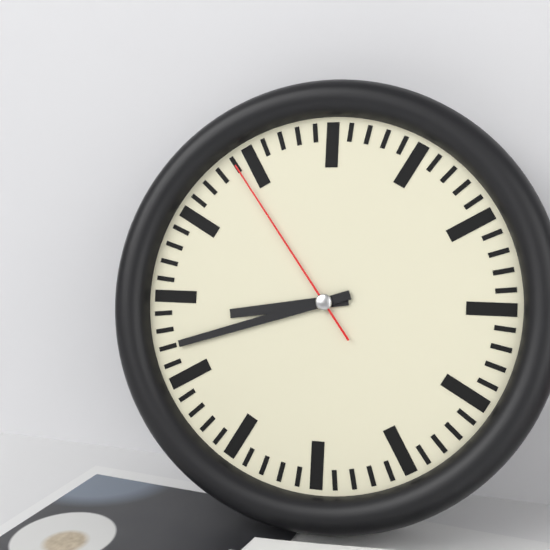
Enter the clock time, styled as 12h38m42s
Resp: 8h42m54s
